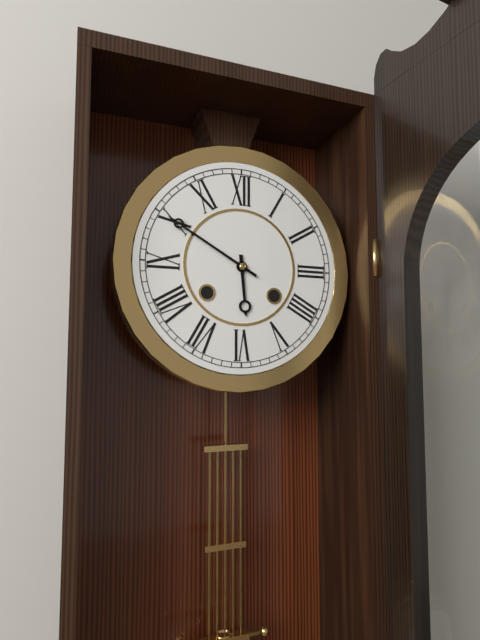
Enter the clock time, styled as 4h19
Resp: 5h50
